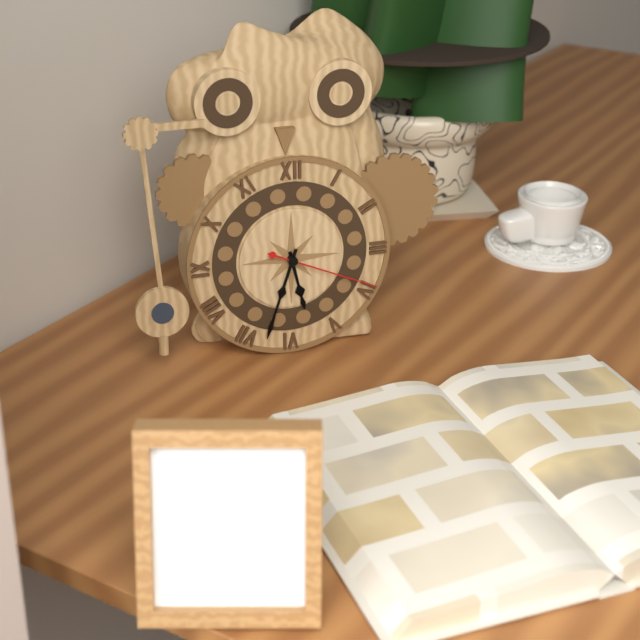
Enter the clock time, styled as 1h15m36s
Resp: 5h33m19s
